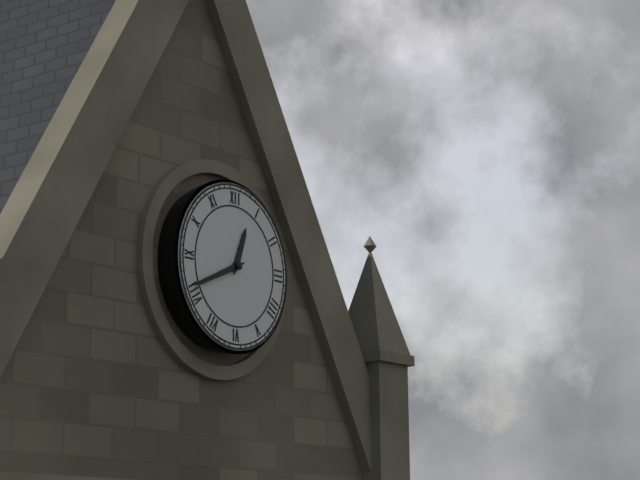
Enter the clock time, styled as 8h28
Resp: 12h41
